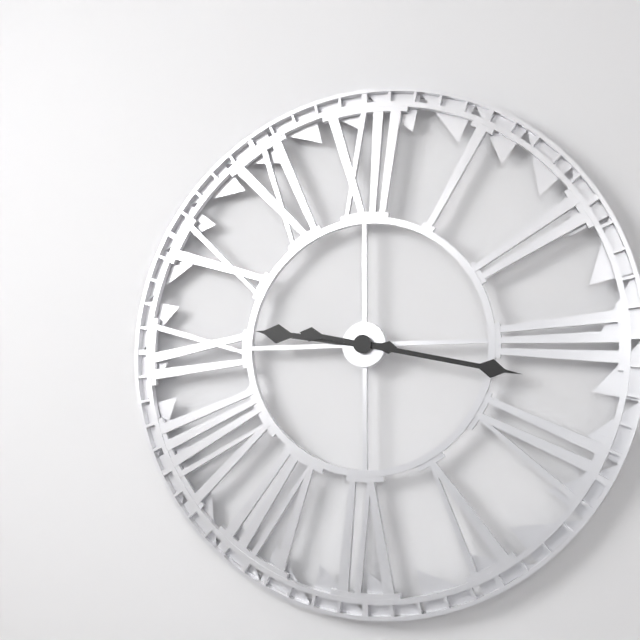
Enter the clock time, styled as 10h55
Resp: 9h17
